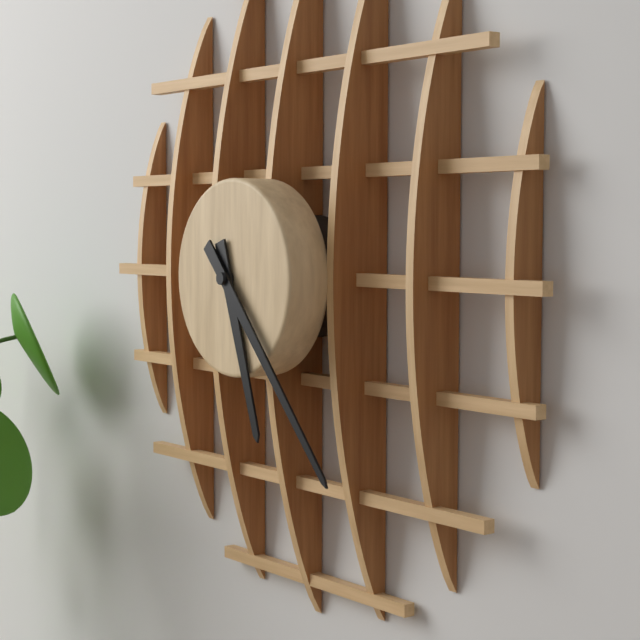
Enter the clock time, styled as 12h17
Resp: 5h23
